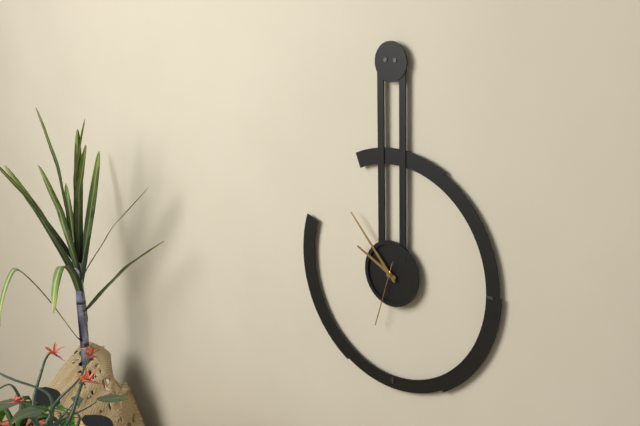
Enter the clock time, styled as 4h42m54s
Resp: 9h53m33s
